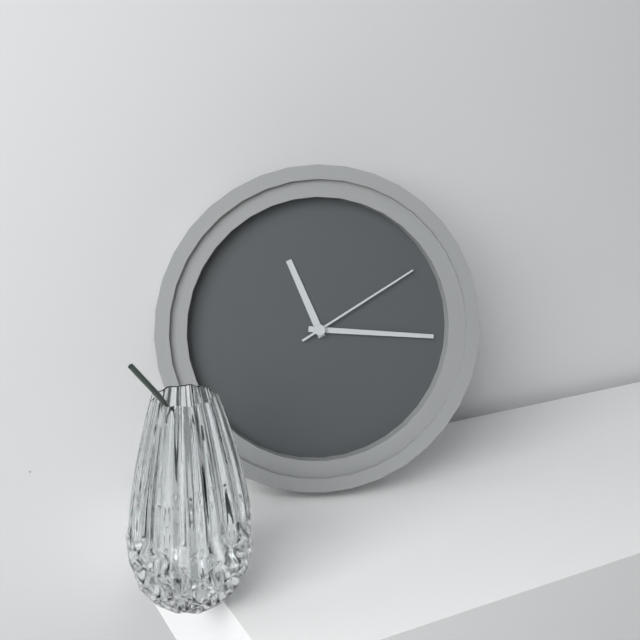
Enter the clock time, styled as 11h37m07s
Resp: 11h16m10s
